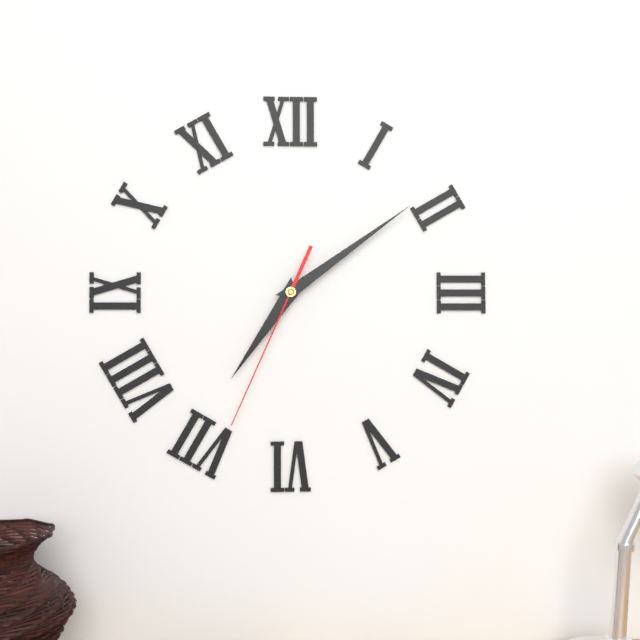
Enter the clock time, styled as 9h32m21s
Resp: 7h09m34s
